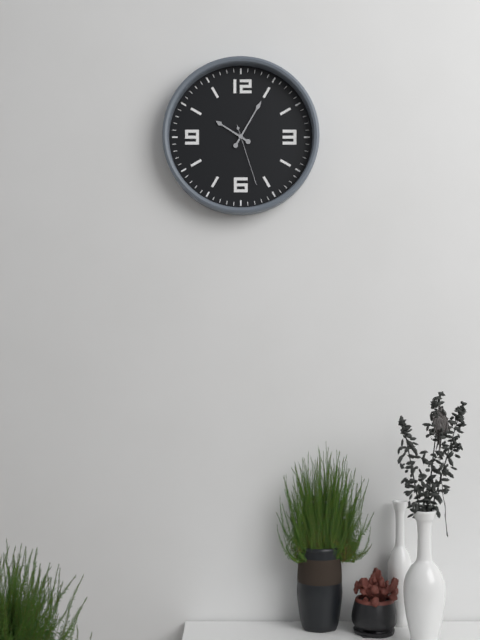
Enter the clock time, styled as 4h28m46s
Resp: 10h05m27s
